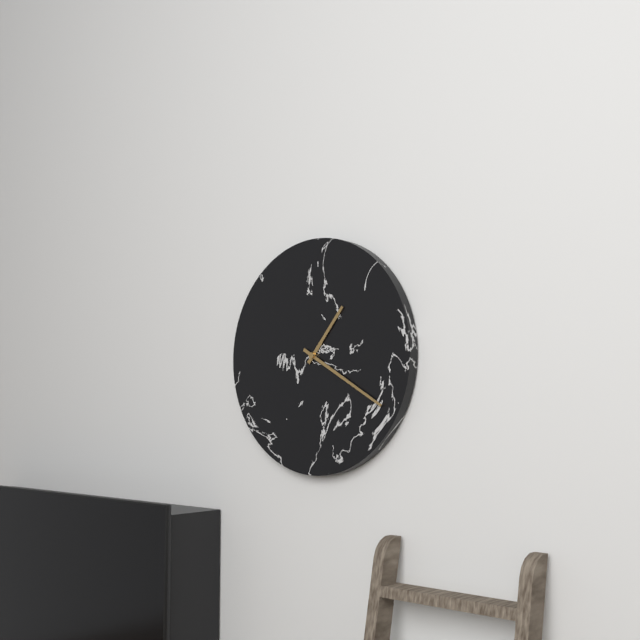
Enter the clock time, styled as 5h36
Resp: 1h20
